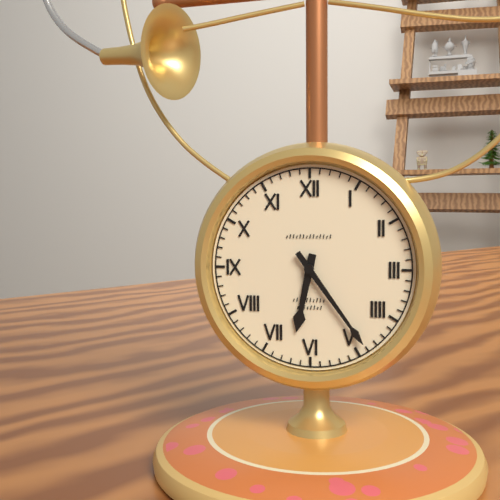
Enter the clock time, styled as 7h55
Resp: 6h24
